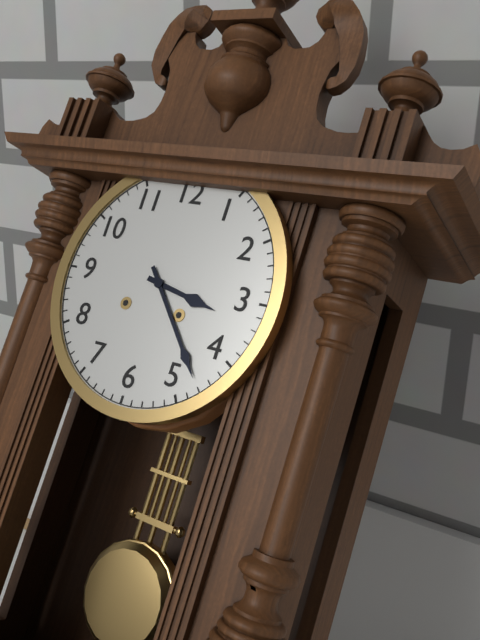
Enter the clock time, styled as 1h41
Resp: 3h23
